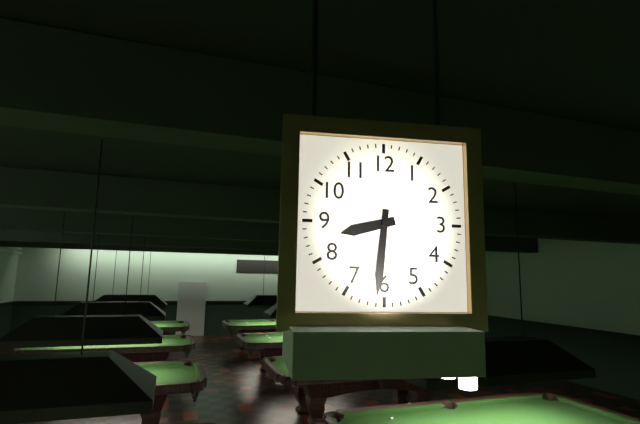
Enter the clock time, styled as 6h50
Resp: 8h31
